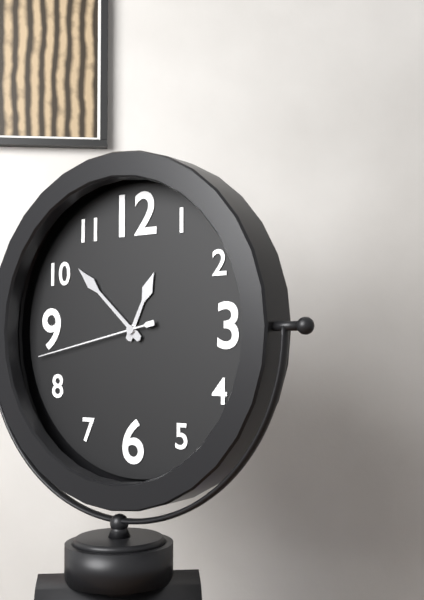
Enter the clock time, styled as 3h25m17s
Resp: 12h52m43s
